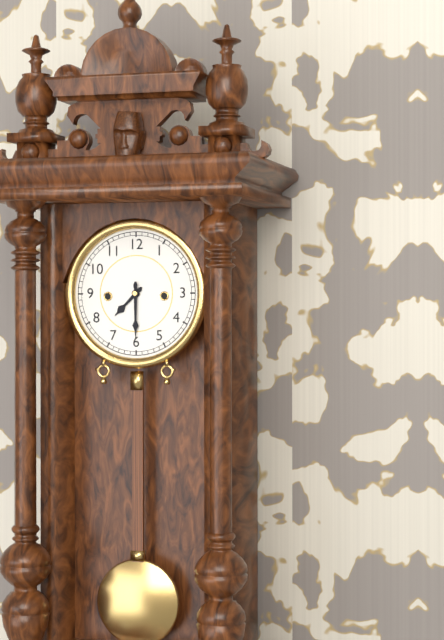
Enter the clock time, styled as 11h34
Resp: 7h30
